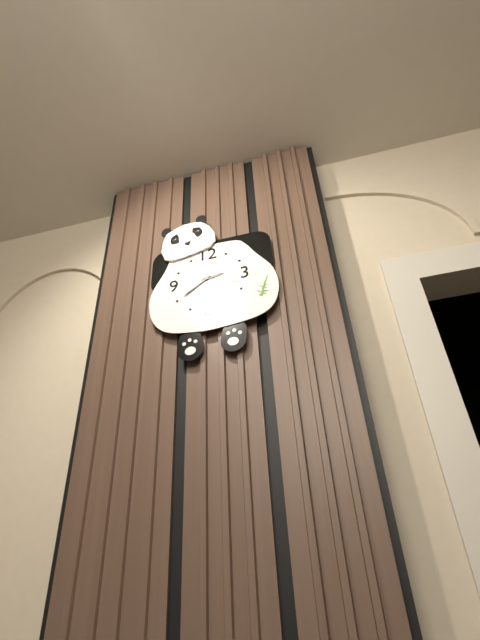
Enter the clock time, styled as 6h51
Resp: 2h39
